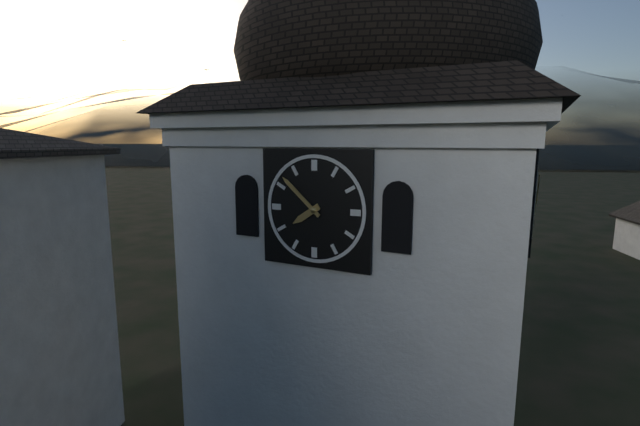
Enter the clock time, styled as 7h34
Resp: 7h52
